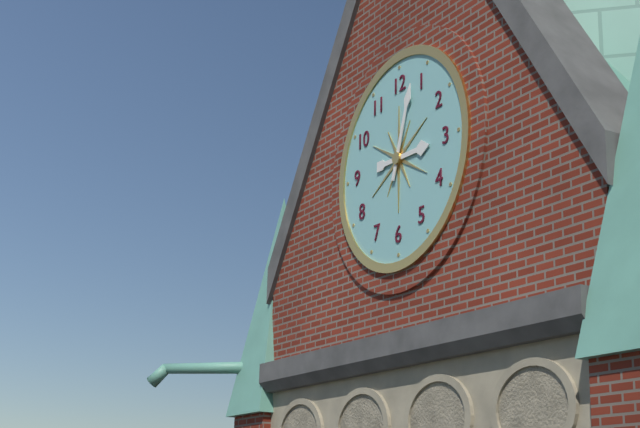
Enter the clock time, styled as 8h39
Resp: 3h03
